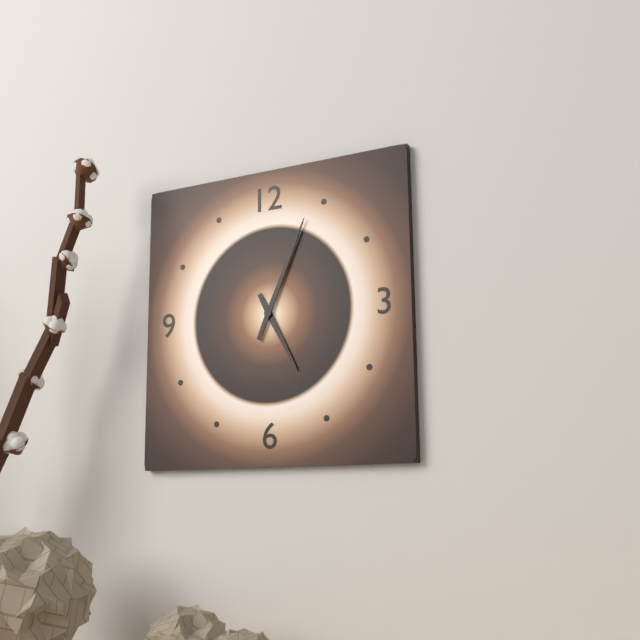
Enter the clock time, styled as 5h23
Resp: 5h04
